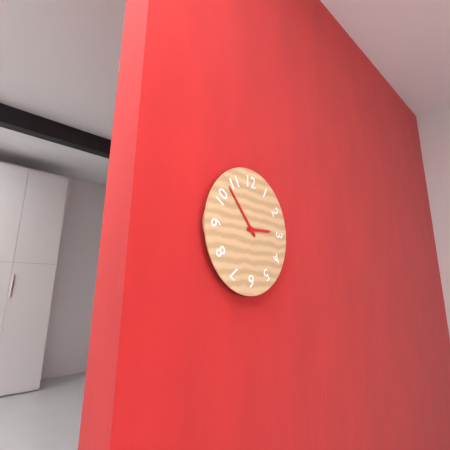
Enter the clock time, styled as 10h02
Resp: 2h53
